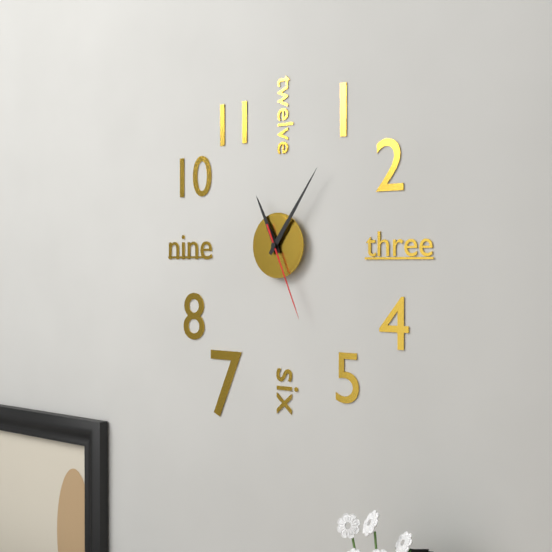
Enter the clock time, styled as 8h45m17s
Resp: 11h06m26s
